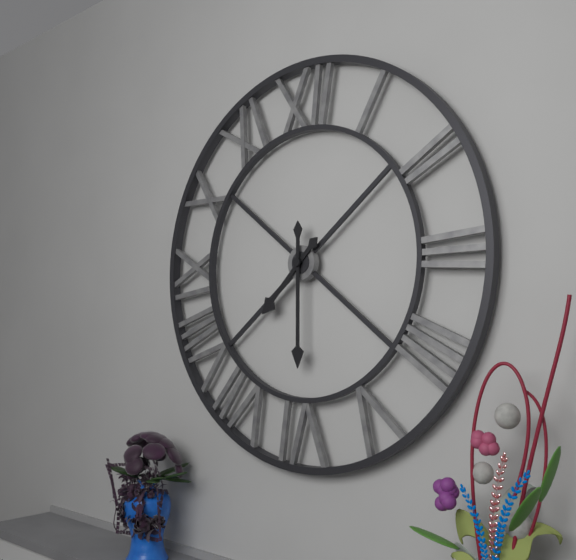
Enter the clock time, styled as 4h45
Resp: 7h30
